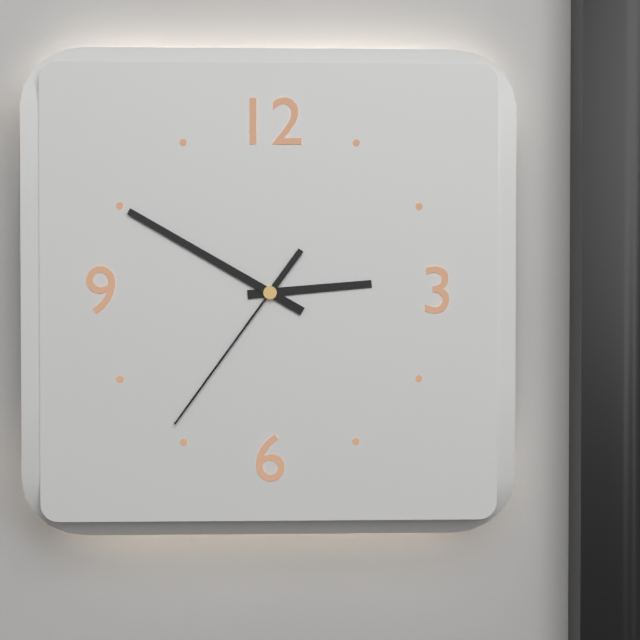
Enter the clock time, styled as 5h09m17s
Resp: 2h50m36s
